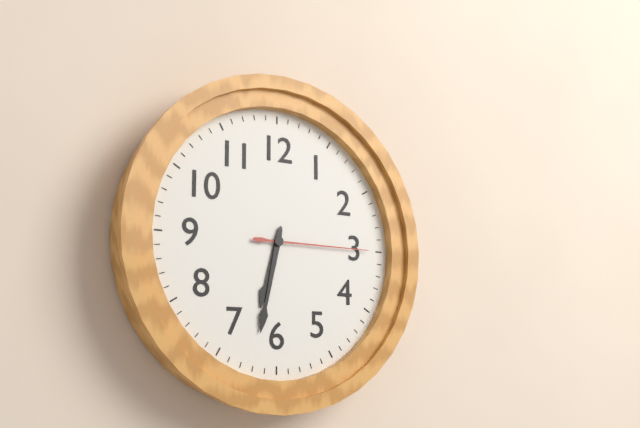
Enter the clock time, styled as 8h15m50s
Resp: 6h32m15s
